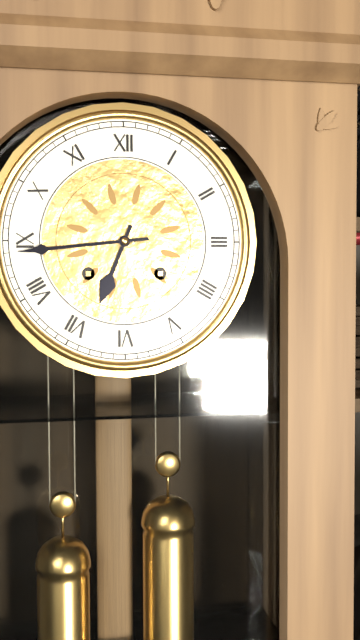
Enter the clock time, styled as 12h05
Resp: 6h44
